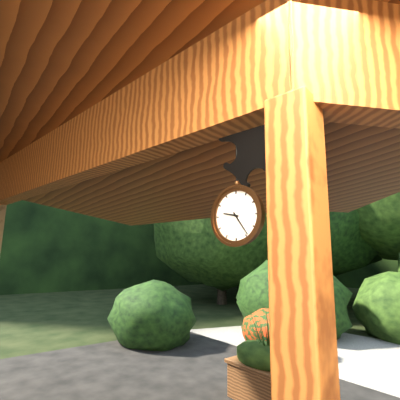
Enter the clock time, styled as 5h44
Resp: 9h24
